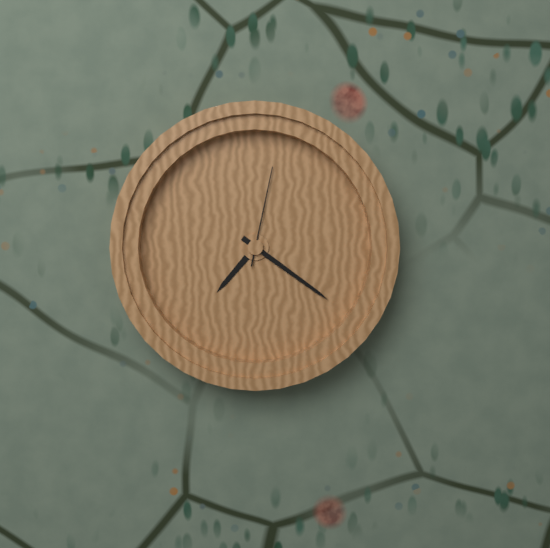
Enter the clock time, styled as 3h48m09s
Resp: 7h21m02s
